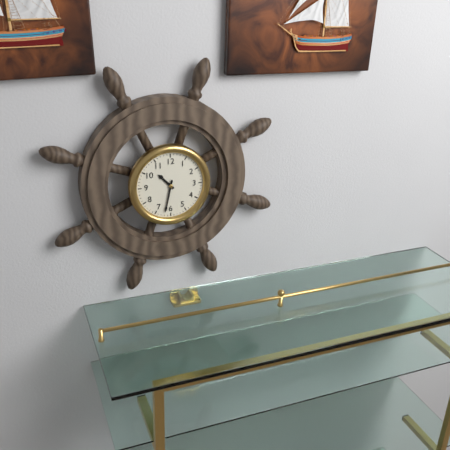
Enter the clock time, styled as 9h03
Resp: 10h32
